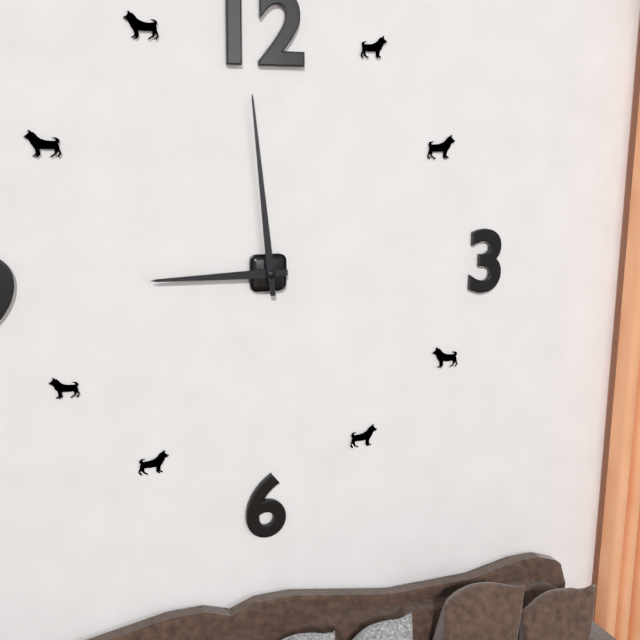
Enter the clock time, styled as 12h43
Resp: 8h59
